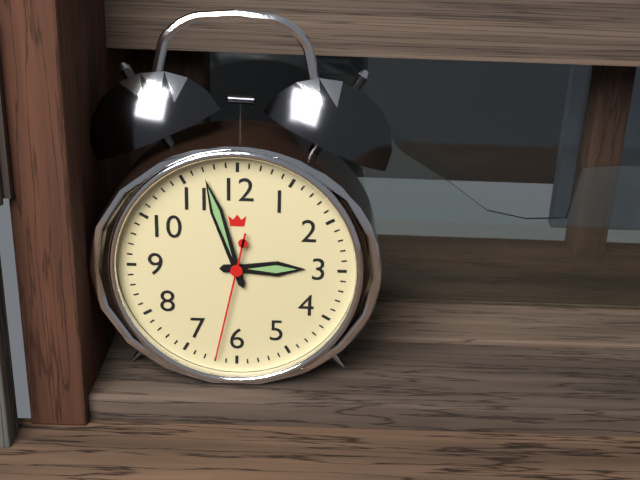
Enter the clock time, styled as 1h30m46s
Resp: 2h57m32s
